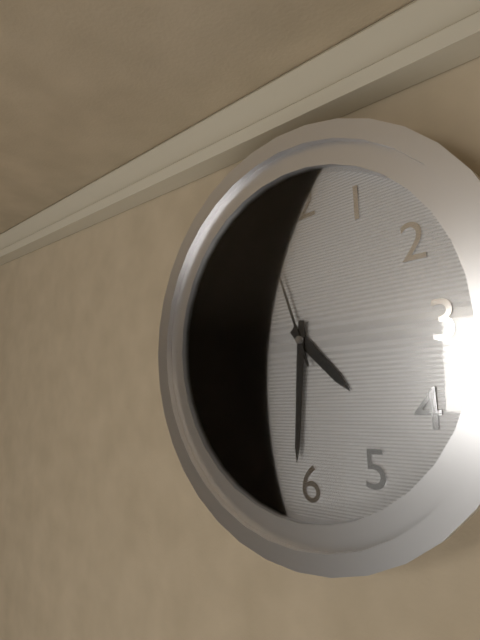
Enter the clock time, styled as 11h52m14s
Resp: 4h31m57s
